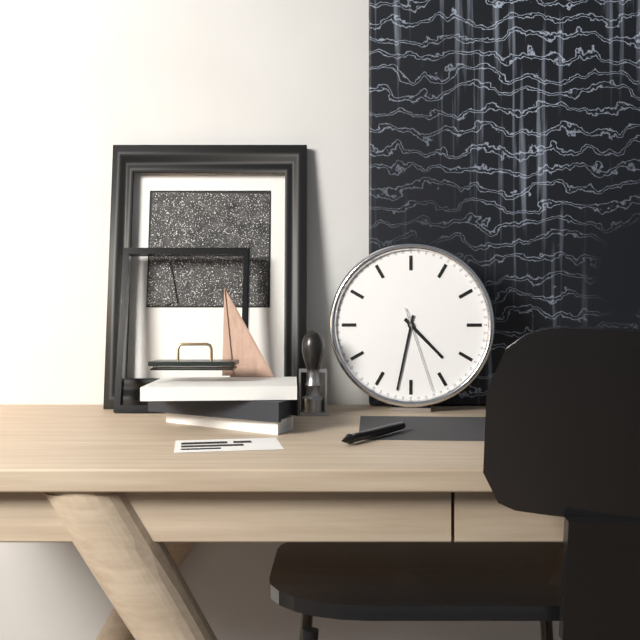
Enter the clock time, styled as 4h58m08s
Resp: 4h32m27s
